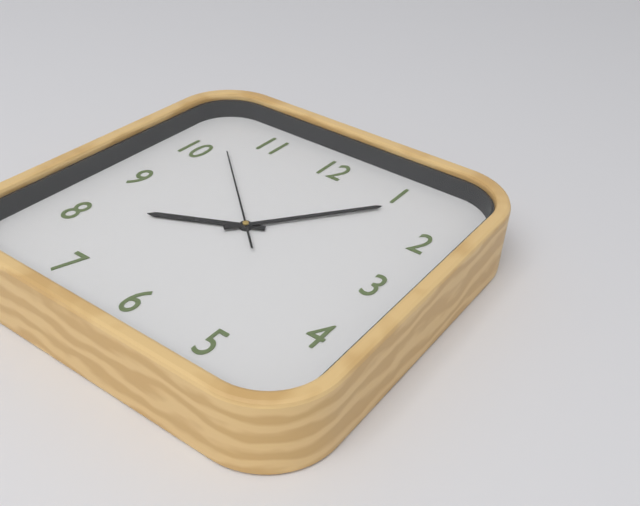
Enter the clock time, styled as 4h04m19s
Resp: 8h06m52s
